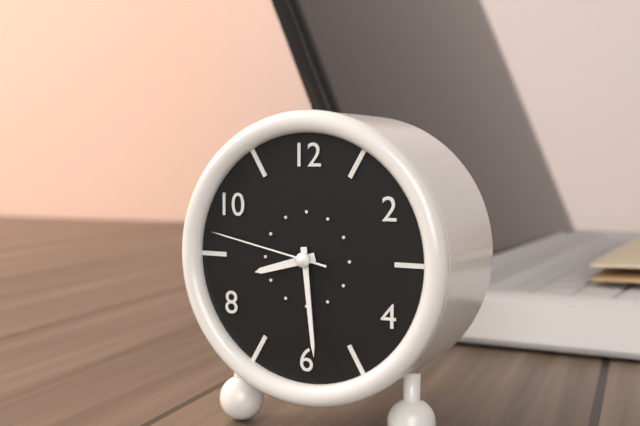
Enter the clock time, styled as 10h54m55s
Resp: 8h29m47s
